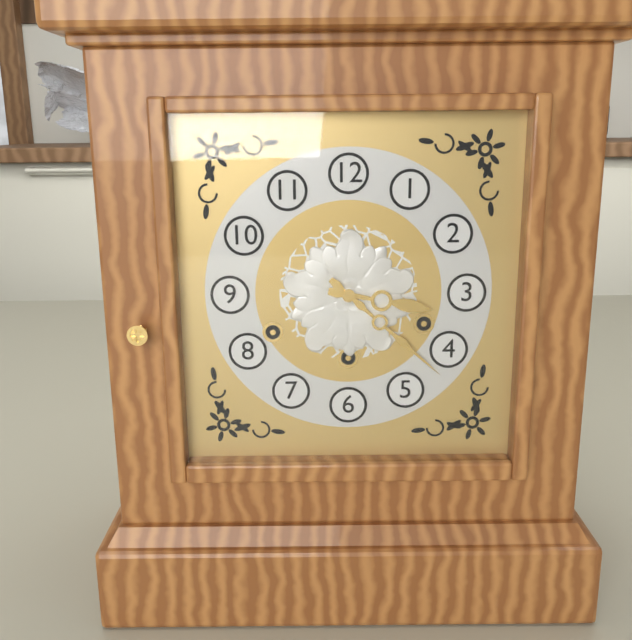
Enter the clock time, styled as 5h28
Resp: 3h22
